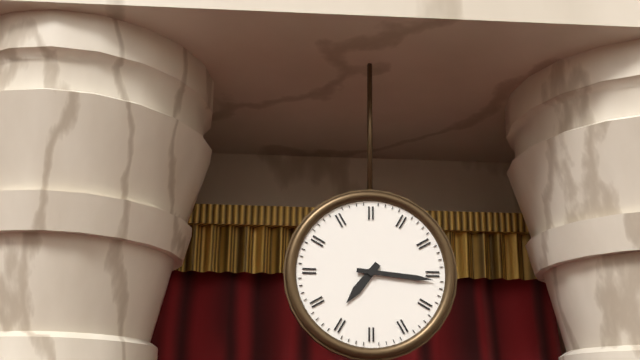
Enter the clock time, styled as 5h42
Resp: 7h16
